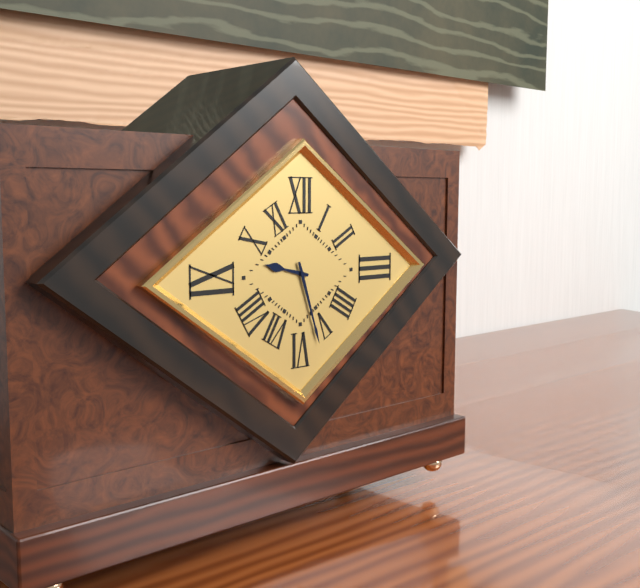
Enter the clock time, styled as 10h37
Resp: 9h27
